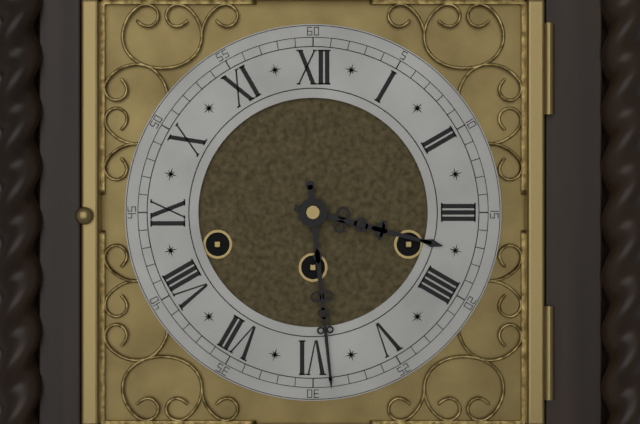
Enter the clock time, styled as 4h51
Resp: 3h29
